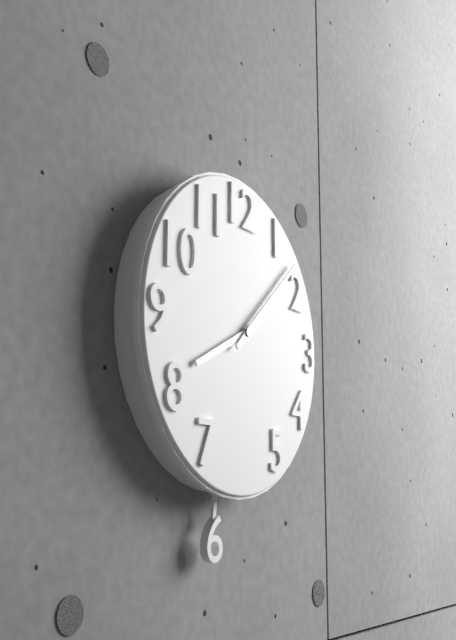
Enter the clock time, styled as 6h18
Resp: 8h08
